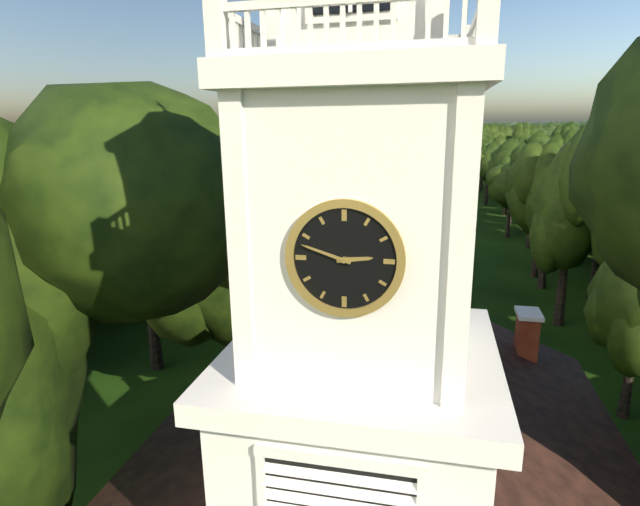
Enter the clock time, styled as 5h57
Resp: 2h48
